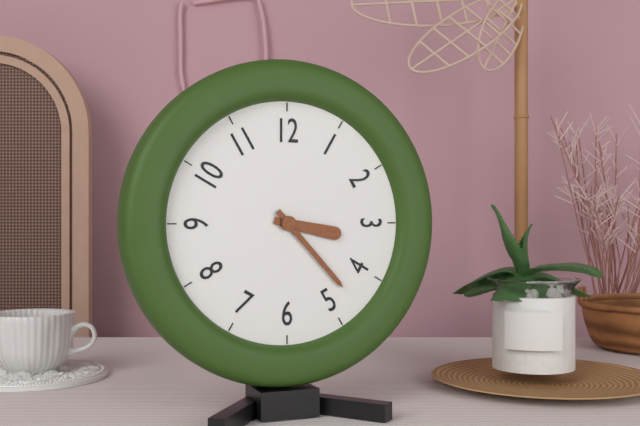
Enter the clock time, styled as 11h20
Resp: 3h23
